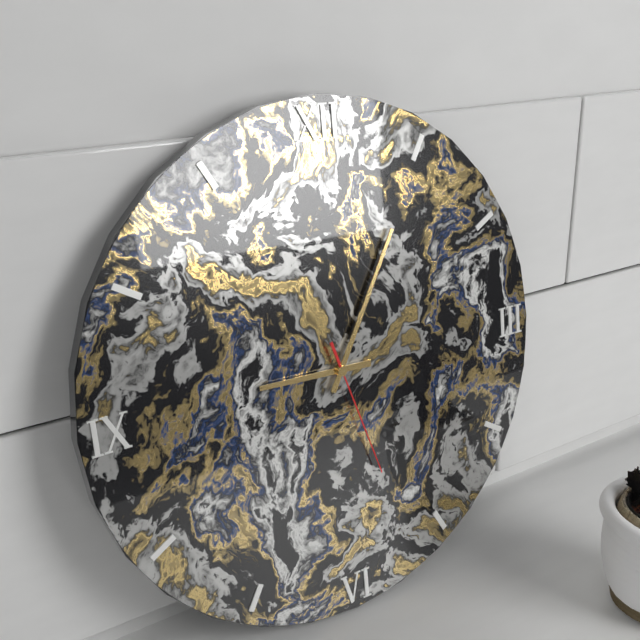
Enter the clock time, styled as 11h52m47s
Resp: 9h05m27s
